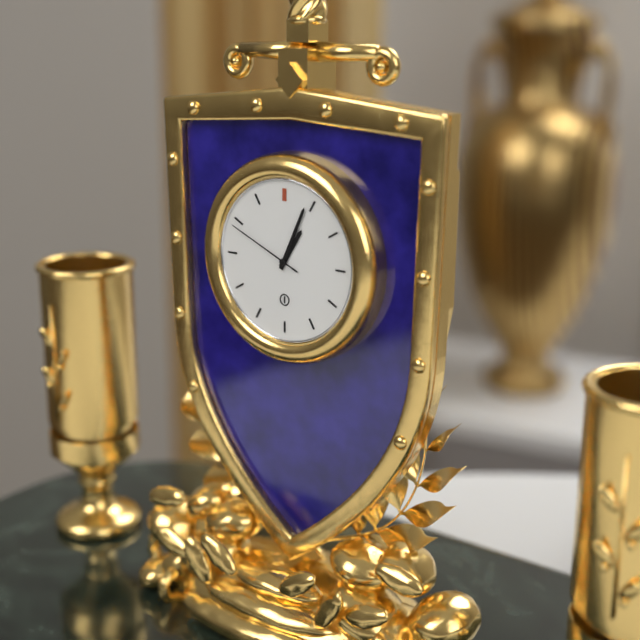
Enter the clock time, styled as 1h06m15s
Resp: 1h04m49s
